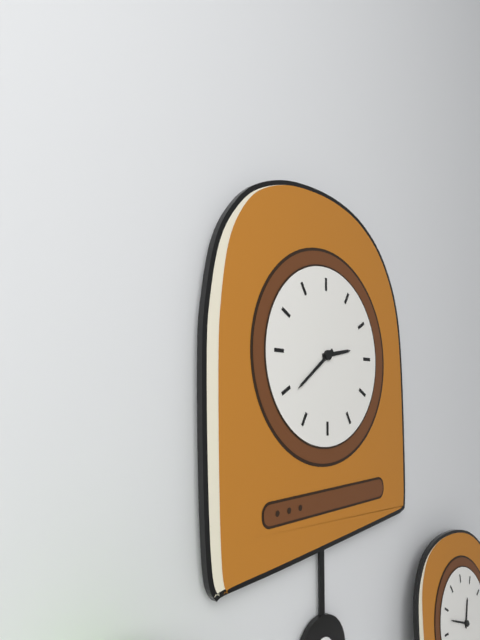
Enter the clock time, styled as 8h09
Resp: 2h39
